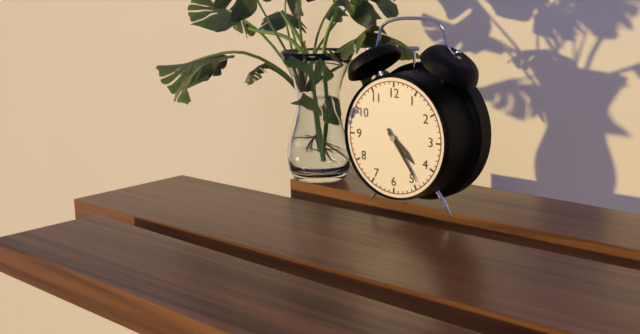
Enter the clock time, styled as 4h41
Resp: 4h24
